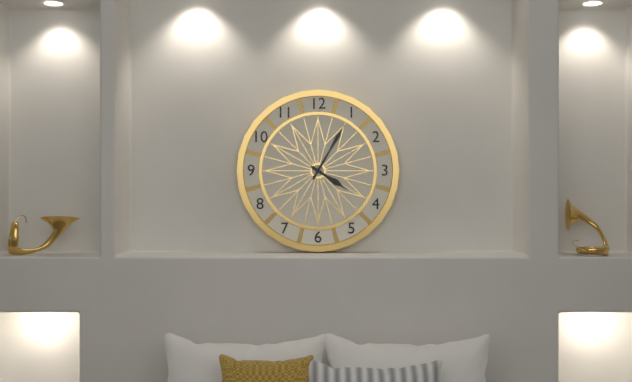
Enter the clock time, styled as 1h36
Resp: 4h05
